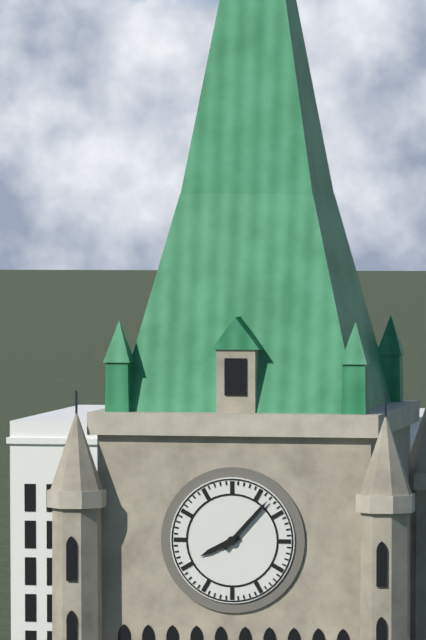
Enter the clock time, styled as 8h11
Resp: 8h07
